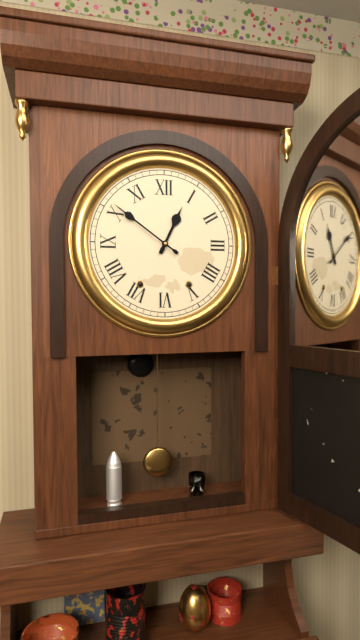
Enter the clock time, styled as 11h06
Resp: 12h51
